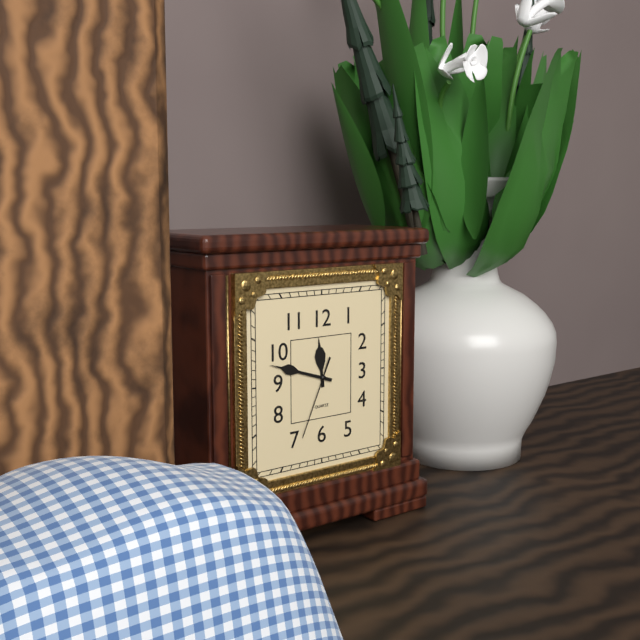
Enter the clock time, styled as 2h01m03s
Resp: 11h48m34s
